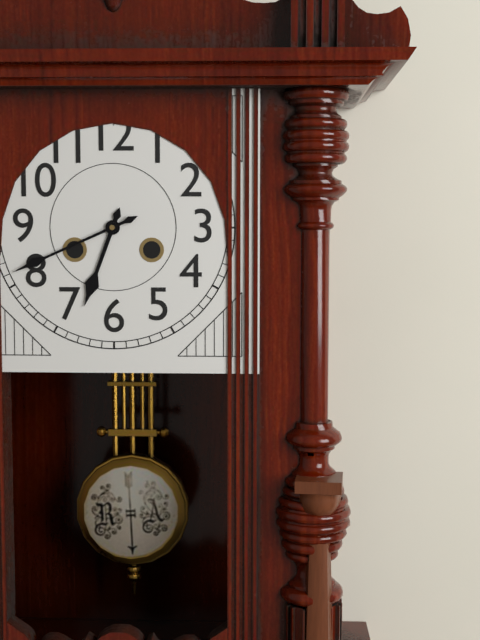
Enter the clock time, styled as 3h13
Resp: 6h41
